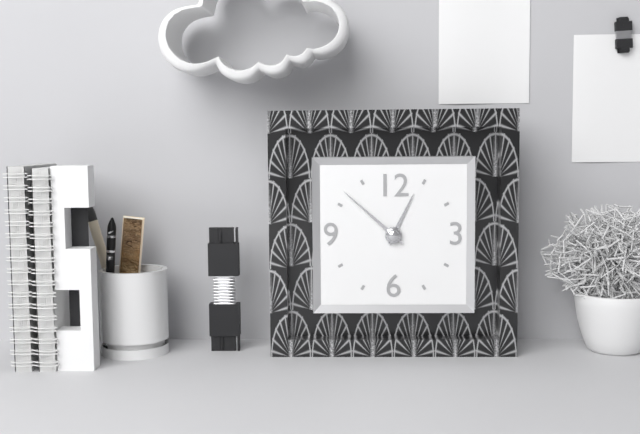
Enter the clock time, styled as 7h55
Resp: 12h52
